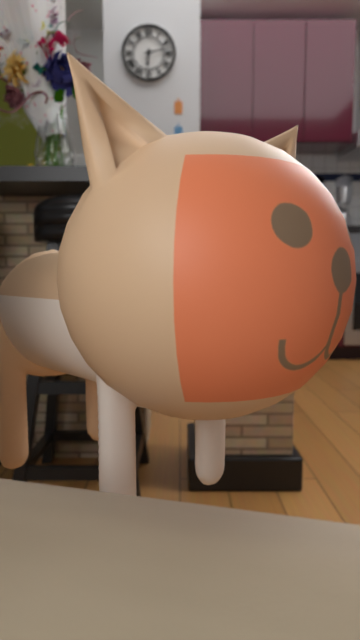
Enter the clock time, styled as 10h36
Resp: 6h13
